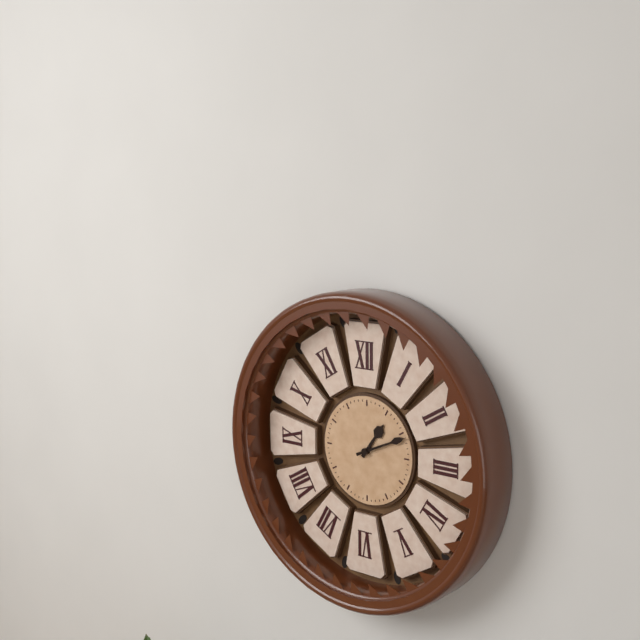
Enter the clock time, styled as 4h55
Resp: 1h11
